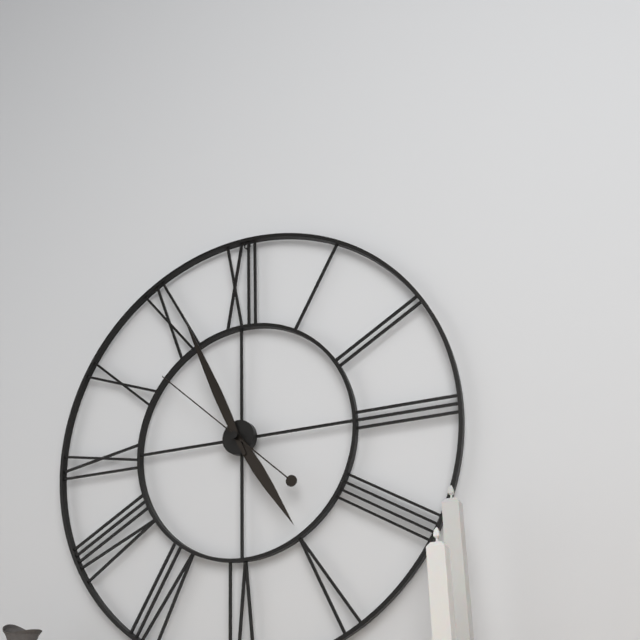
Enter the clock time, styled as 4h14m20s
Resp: 4h56m52s
